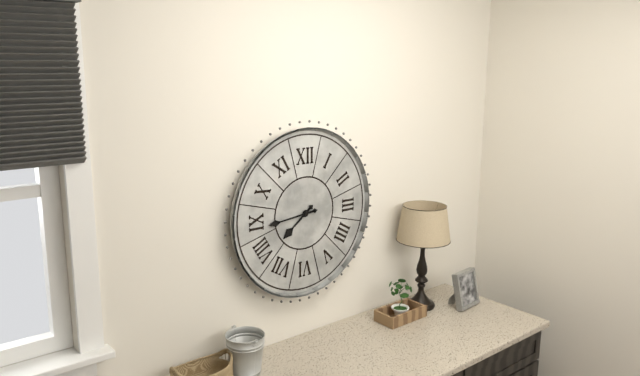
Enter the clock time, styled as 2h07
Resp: 7h44
